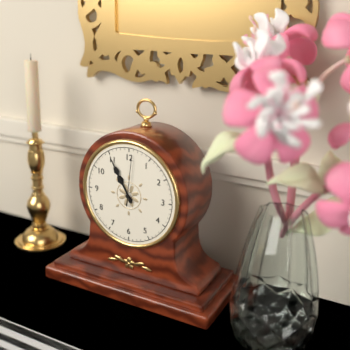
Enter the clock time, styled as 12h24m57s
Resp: 10h55m01s
